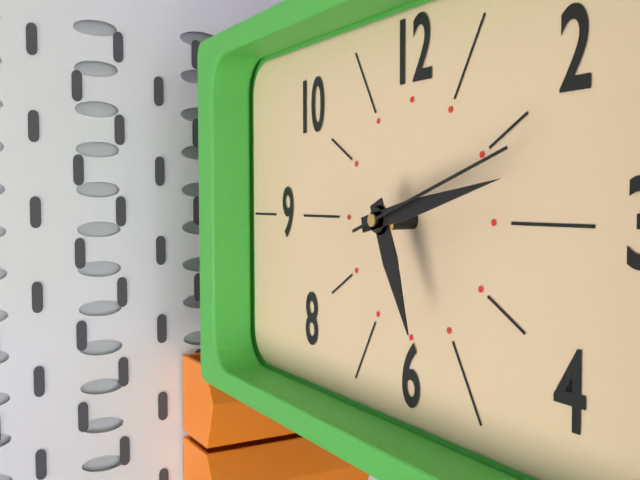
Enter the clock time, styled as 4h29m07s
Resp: 5h13m12s
